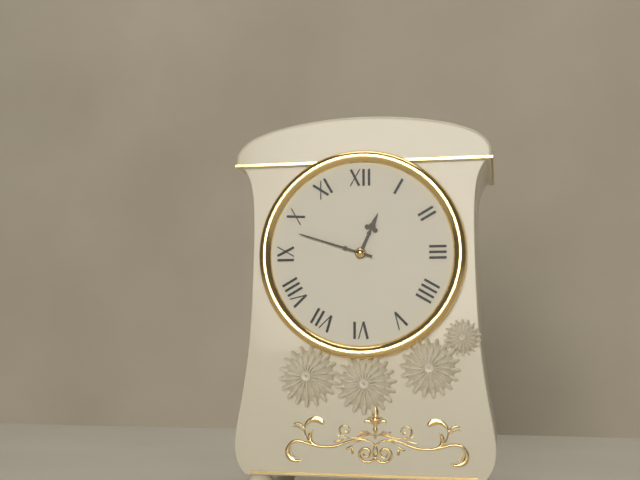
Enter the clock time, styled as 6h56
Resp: 12h48
